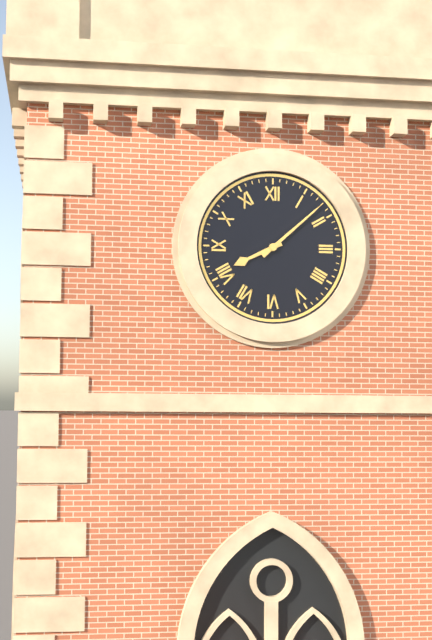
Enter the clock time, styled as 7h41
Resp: 8h08
